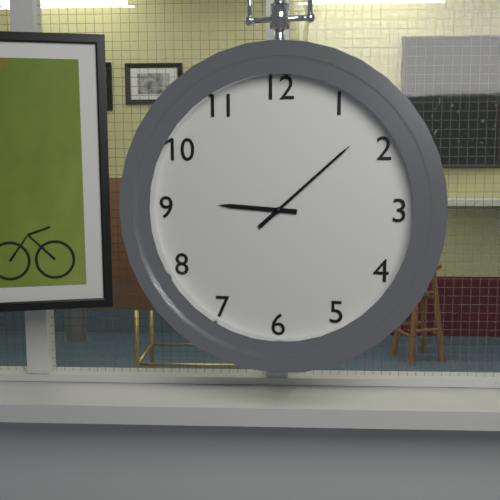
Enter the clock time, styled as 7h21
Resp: 9h08
